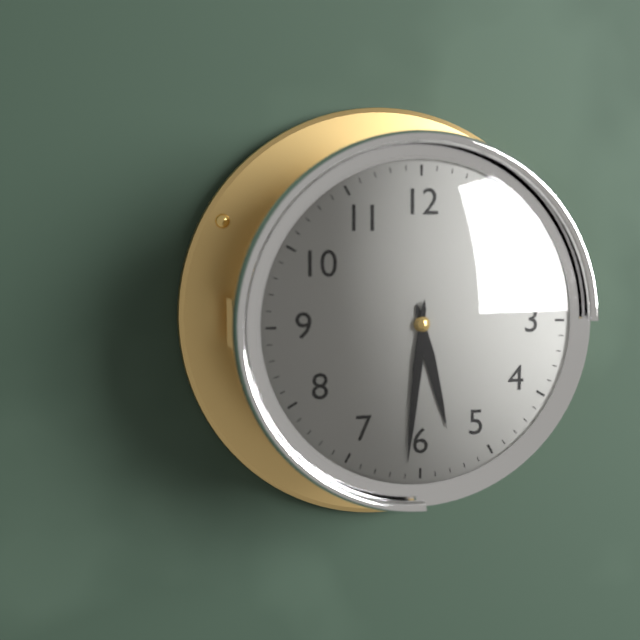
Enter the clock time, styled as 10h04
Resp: 5h31
